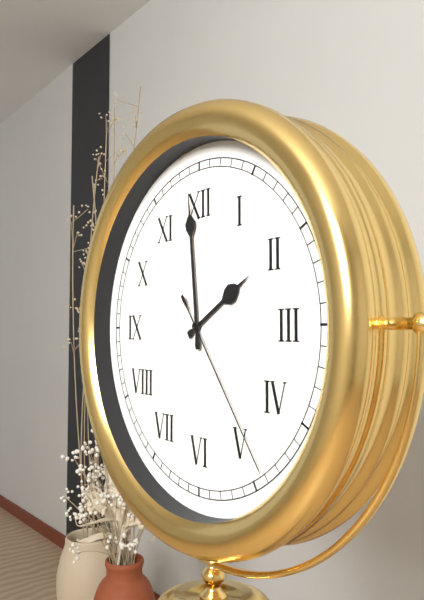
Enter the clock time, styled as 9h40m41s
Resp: 1h59m24s
